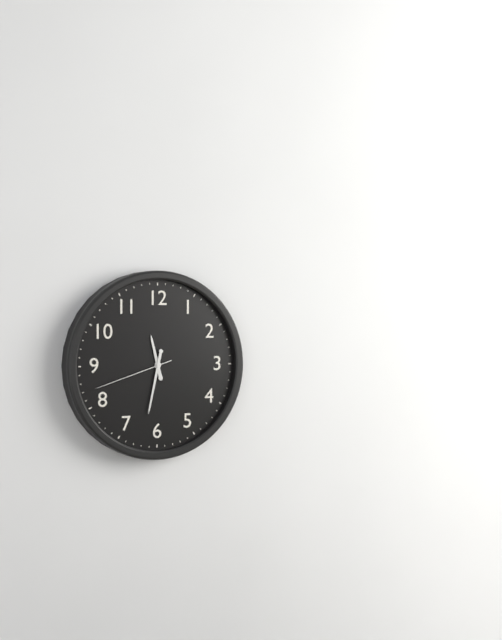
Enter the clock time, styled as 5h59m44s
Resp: 11h32m42s
